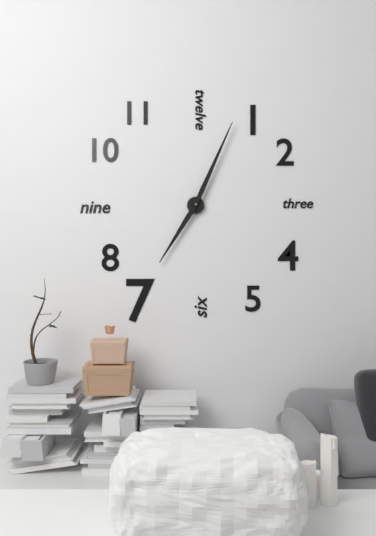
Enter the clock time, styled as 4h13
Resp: 7h04
